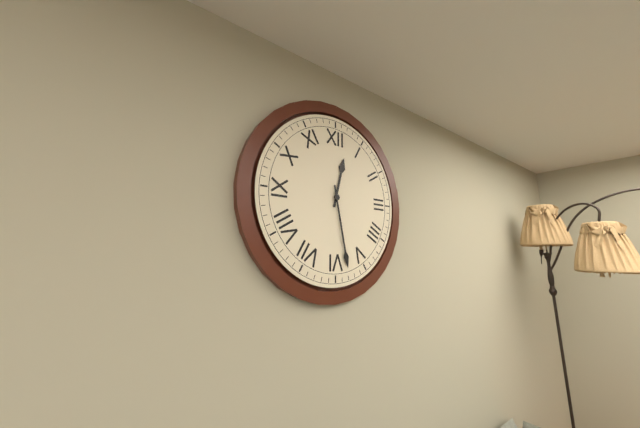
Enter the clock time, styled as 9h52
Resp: 12h28
